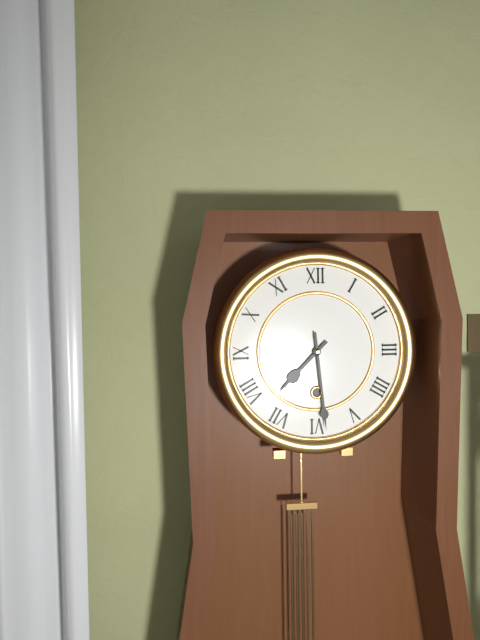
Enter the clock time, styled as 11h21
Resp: 7h29
